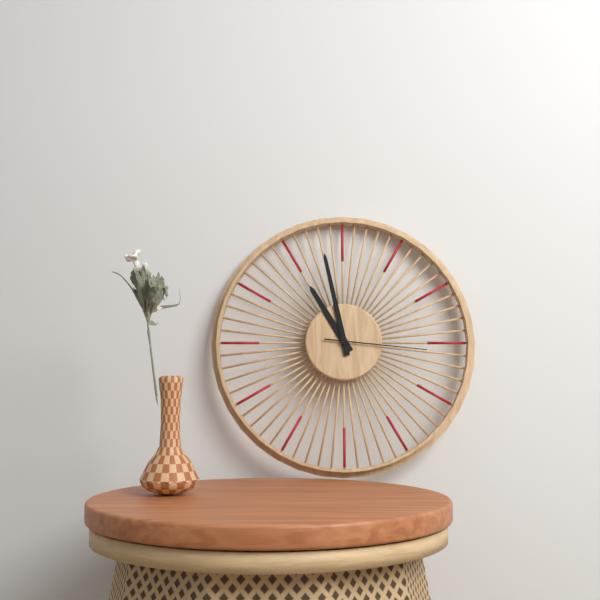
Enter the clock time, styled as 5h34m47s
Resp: 10h58m16s
